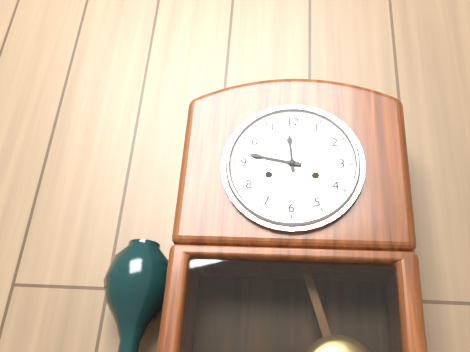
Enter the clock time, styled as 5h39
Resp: 11h47
